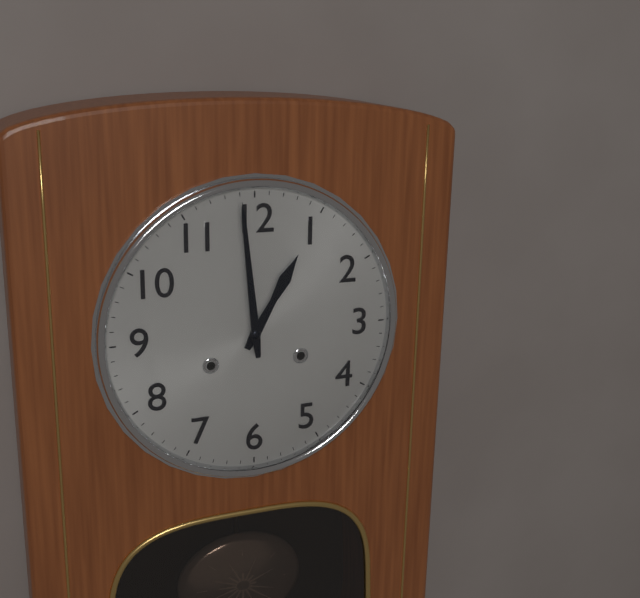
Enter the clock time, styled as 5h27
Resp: 12h59
